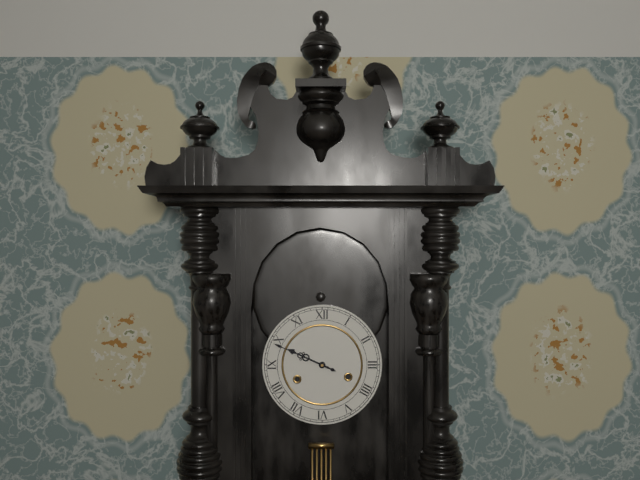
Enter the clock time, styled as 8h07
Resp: 9h49
